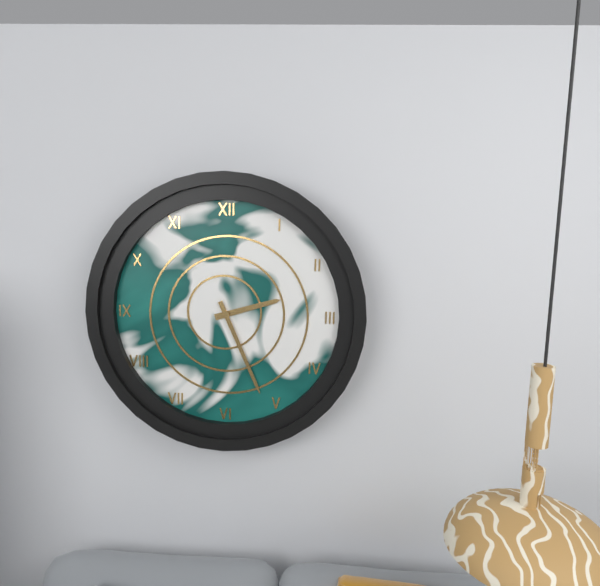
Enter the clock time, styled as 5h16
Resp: 2h26
